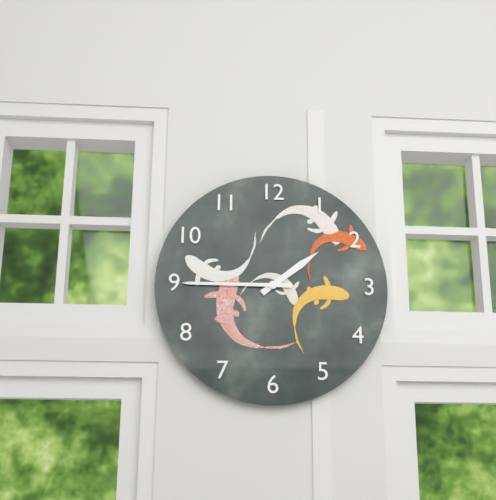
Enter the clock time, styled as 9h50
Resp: 1h45
